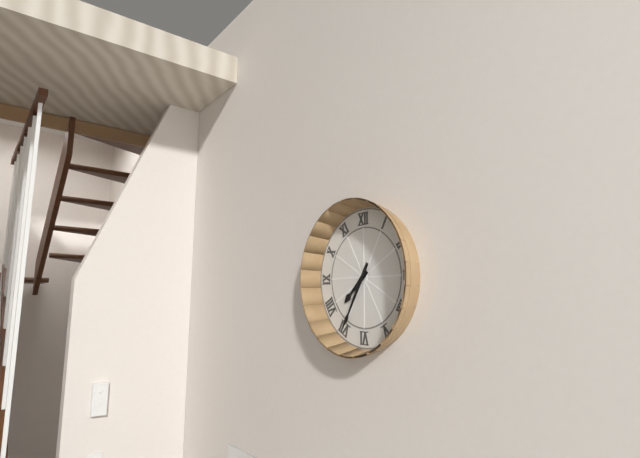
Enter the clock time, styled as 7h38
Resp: 7h35
